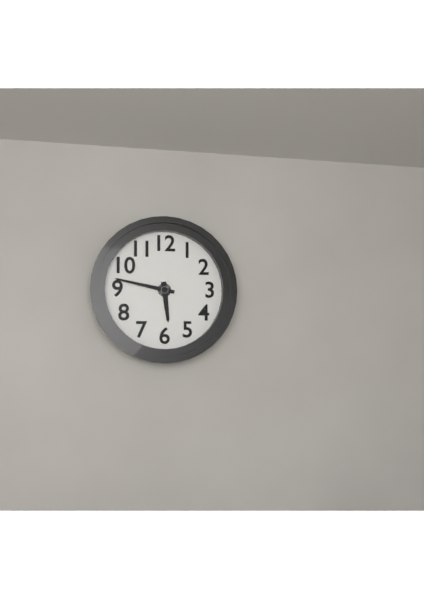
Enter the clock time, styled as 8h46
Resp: 5h47
